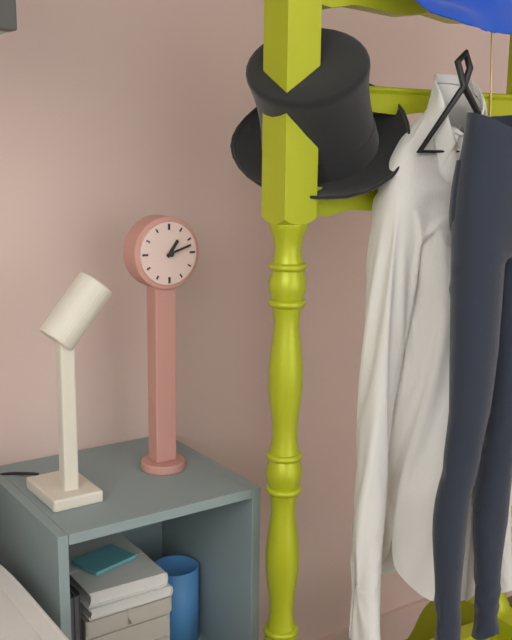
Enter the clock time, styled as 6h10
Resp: 1h12
